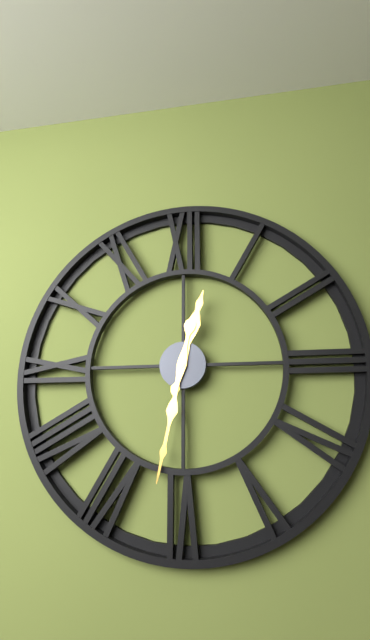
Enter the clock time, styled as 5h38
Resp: 12h32
